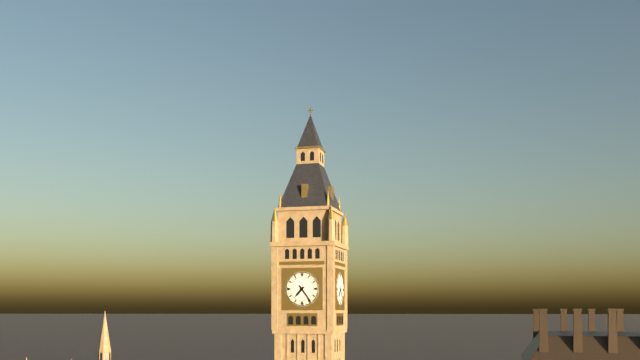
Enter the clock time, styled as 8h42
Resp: 7h24
